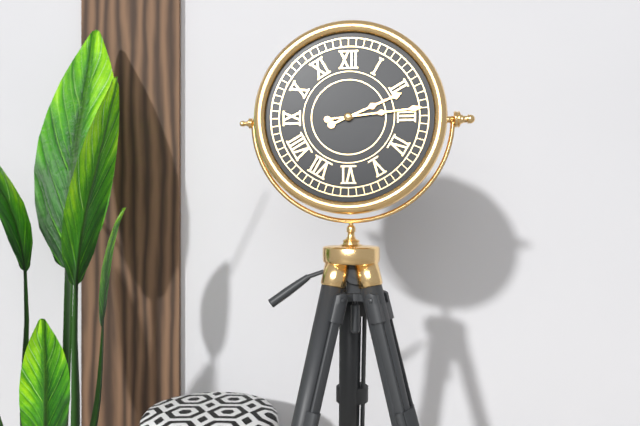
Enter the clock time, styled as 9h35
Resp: 2h14
